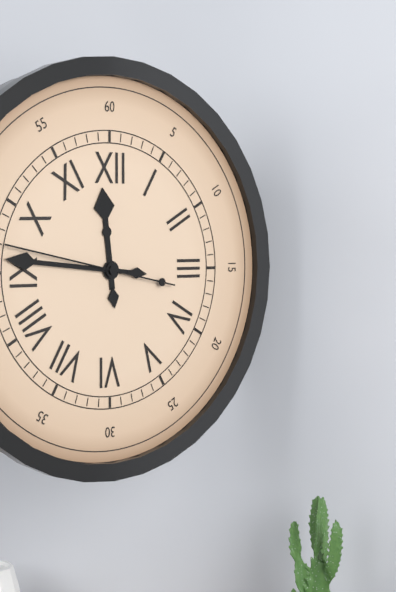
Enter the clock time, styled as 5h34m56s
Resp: 11h46m47s
